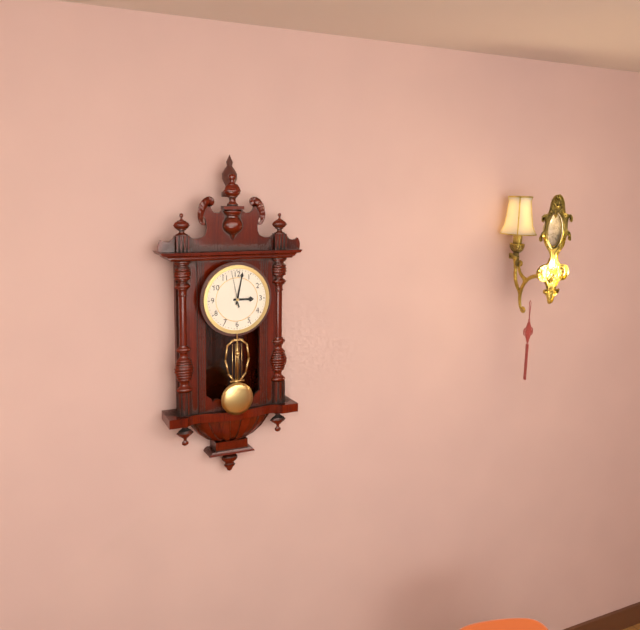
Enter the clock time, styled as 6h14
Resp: 3h02
